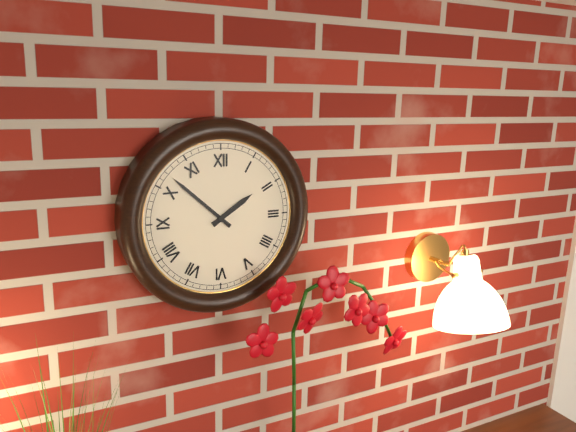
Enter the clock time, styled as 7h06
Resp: 1h52
